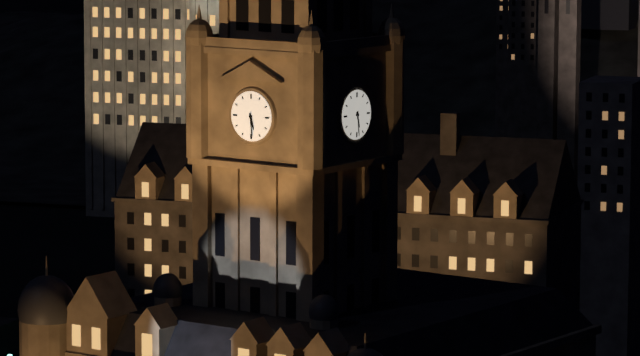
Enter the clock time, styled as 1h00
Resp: 5h29
